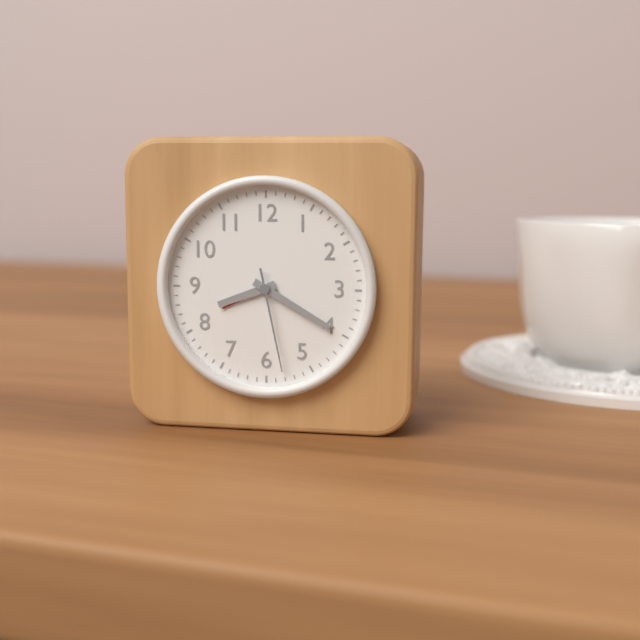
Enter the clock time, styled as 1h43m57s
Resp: 8h20m28s
